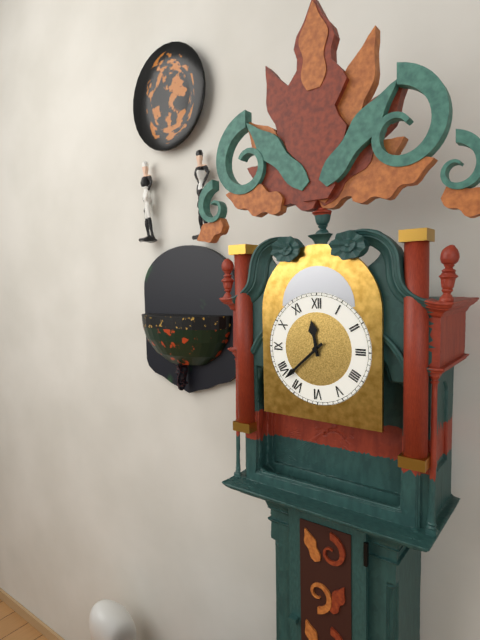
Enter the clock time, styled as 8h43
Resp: 11h38
